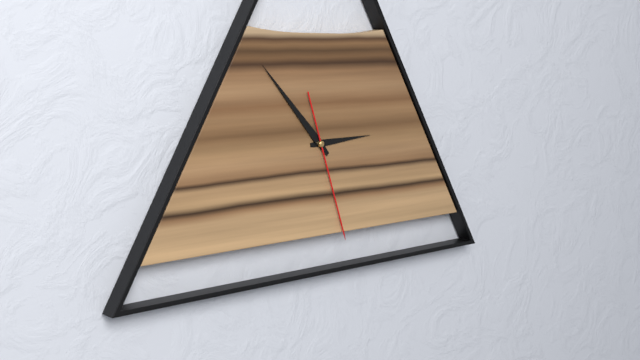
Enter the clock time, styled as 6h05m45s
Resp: 2h53m27s
